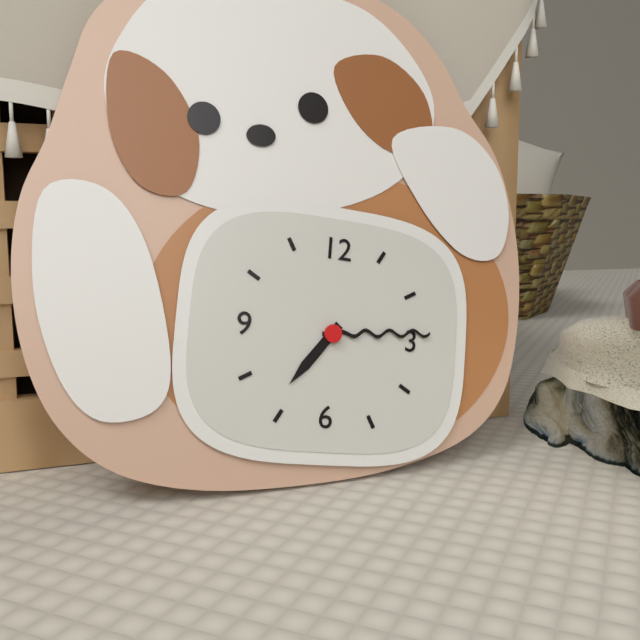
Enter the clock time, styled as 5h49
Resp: 7h14
